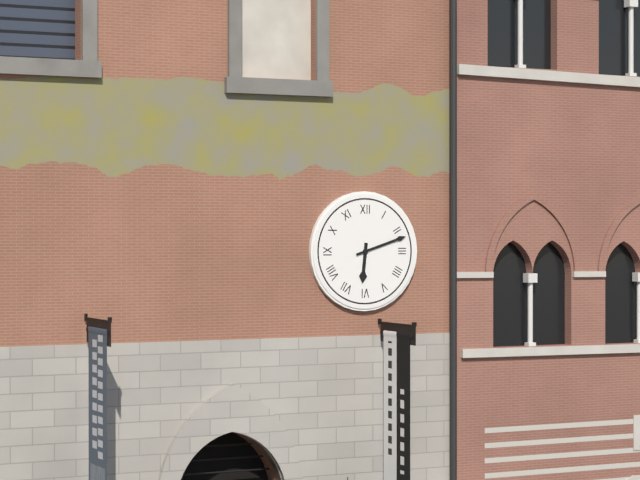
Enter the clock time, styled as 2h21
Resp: 6h12
